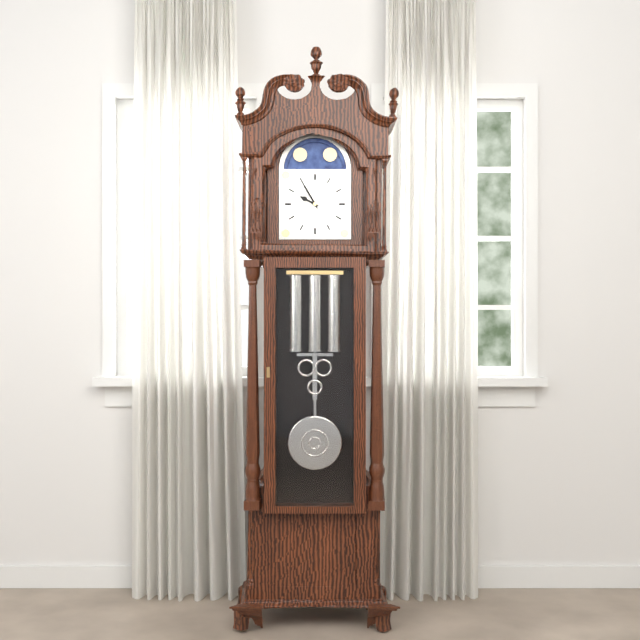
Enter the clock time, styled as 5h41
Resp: 9h55
